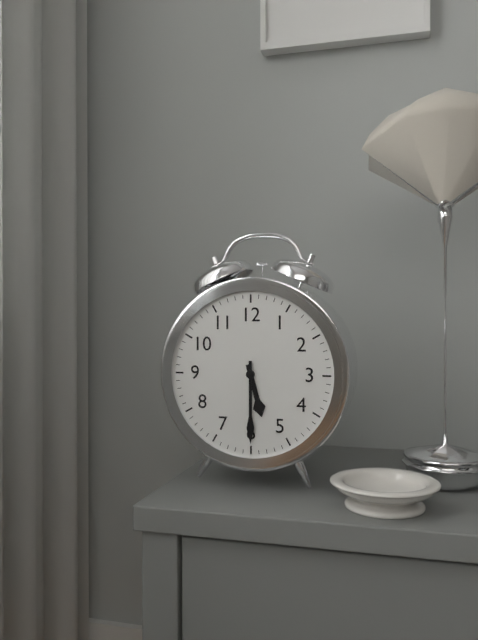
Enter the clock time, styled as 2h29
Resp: 5h30
